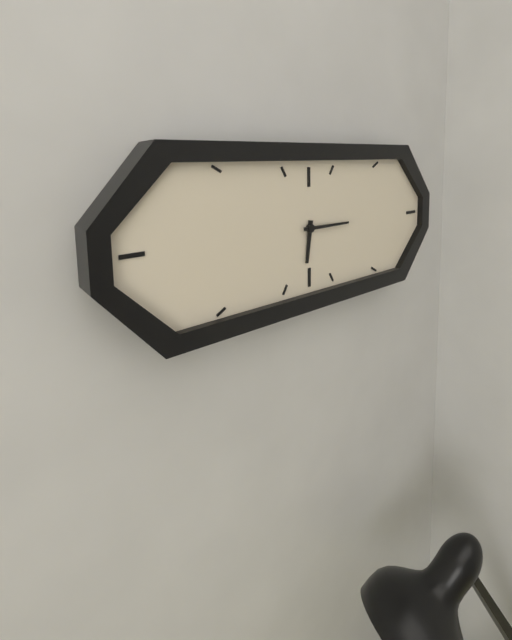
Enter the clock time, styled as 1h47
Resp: 6h15
